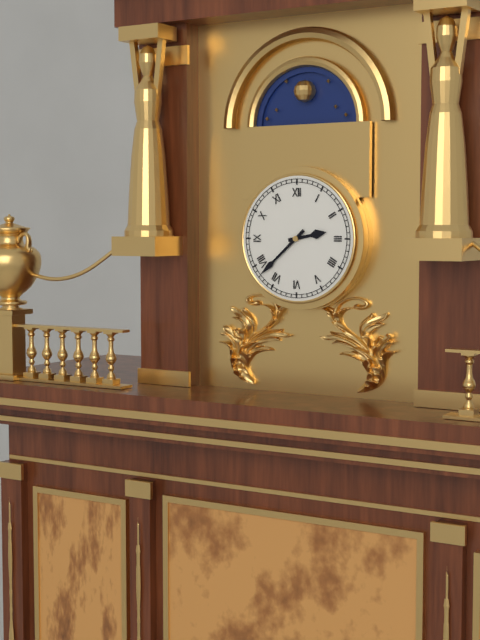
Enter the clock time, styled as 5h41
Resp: 2h38
